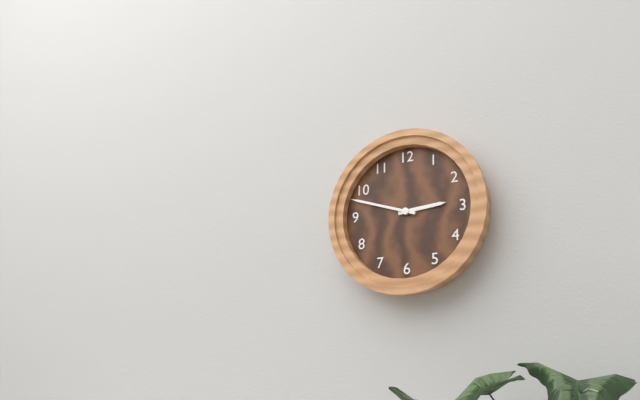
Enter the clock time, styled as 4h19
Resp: 2h48
